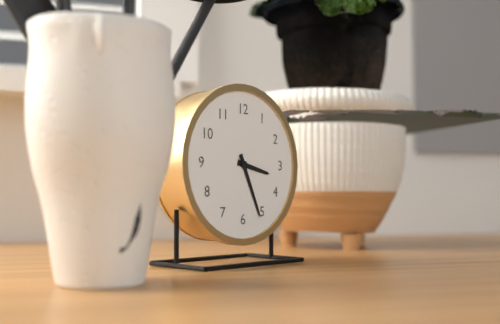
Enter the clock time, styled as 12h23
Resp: 3h26
